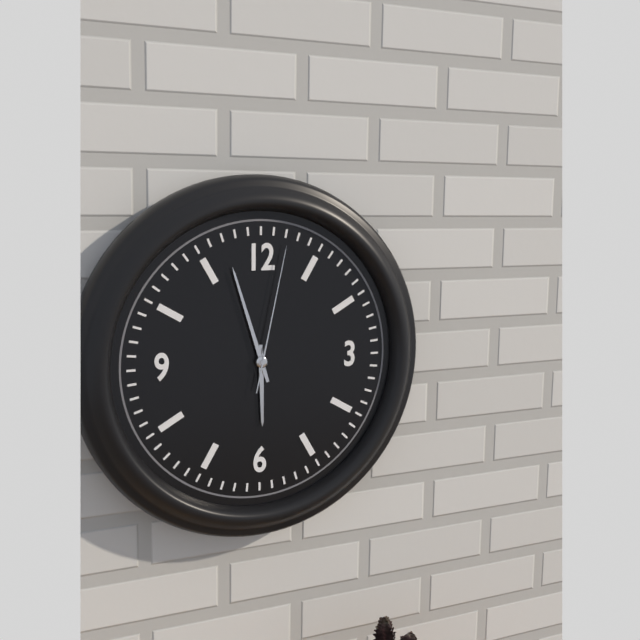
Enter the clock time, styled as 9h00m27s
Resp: 5h57m02s
